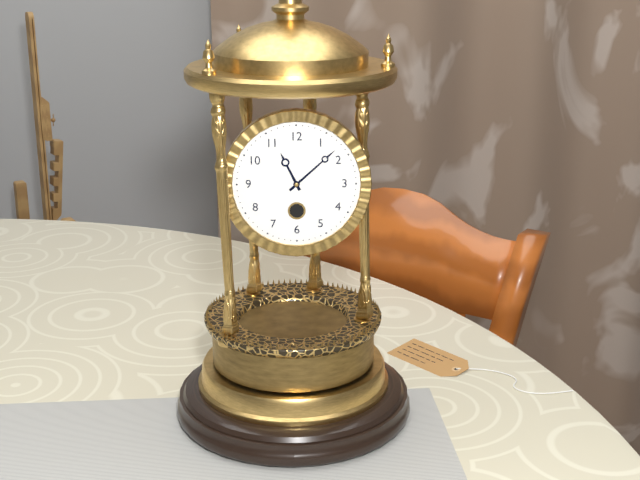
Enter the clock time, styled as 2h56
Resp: 11h08
